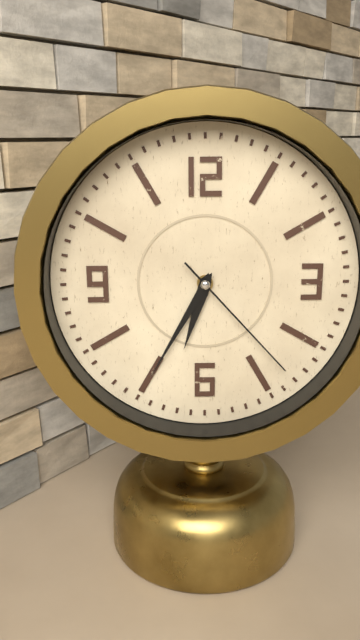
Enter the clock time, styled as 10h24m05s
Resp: 6h35m23s
